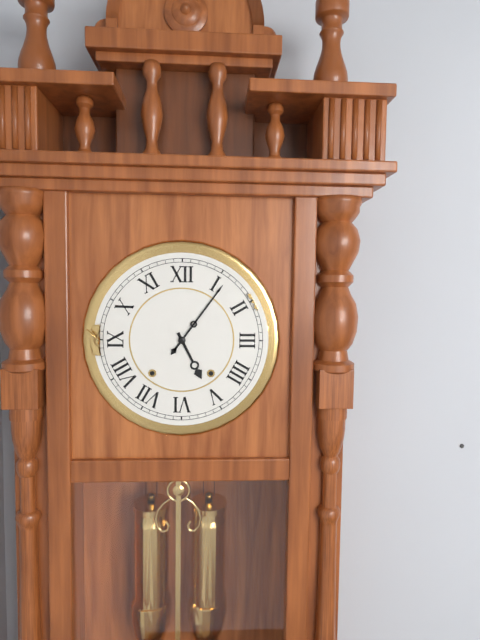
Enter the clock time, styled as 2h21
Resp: 5h06
